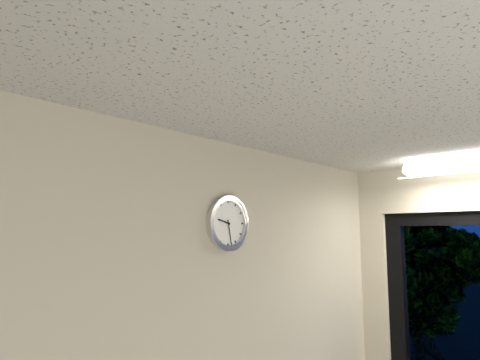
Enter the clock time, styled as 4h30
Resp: 9h28
